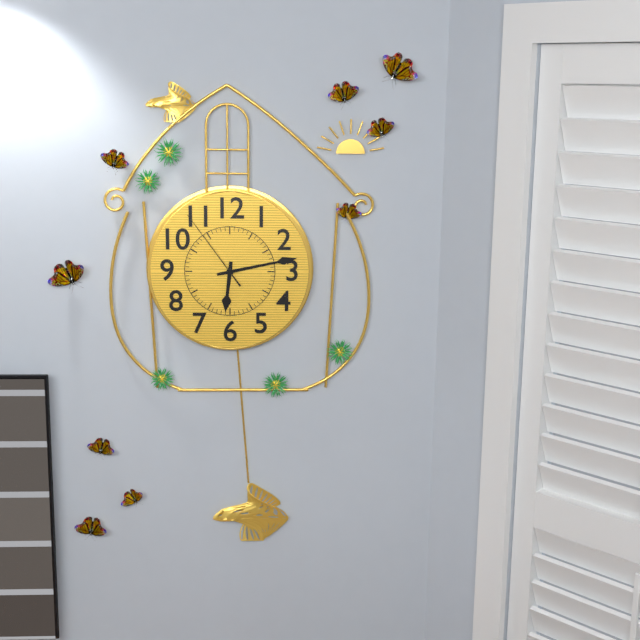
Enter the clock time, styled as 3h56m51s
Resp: 6h13m54s
